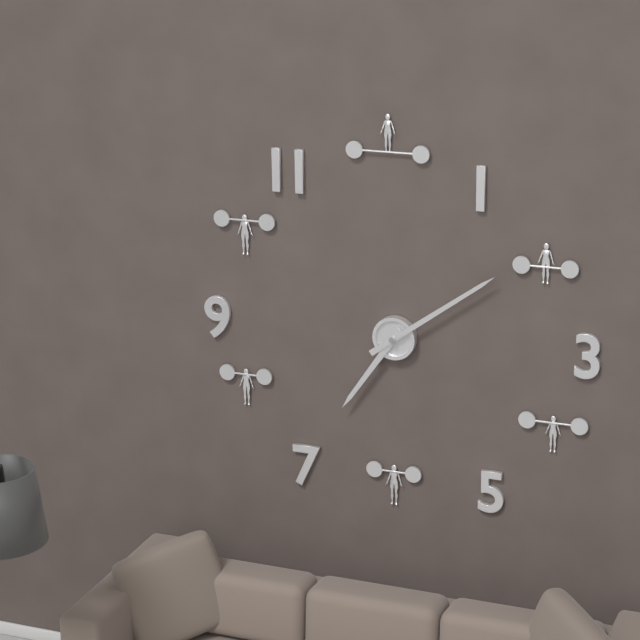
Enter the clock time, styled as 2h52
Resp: 7h09
